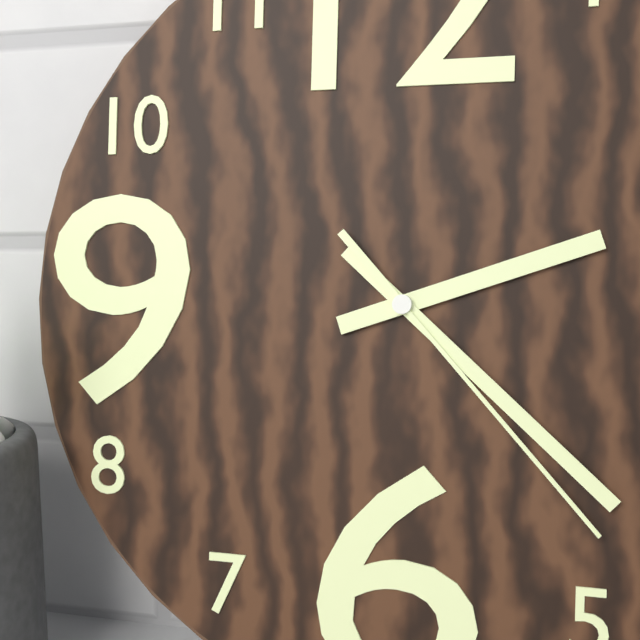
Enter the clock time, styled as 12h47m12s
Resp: 2h22m23s
